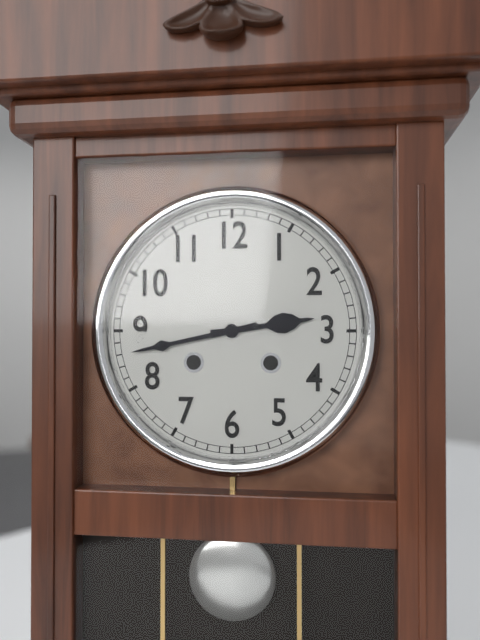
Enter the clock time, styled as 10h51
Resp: 2h43
